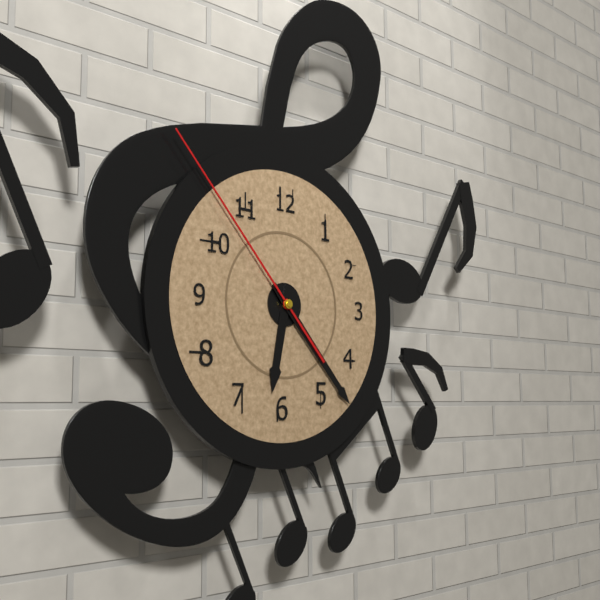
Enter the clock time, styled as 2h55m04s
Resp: 6h23m53s
